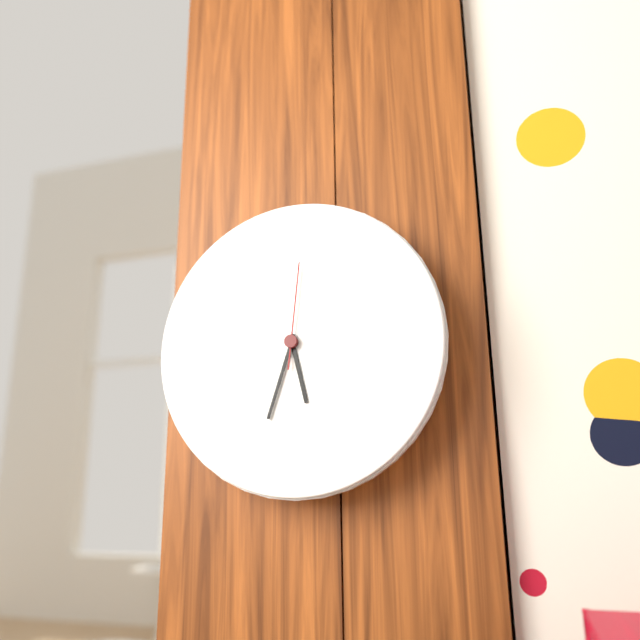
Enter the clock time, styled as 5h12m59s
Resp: 5h33m01s
